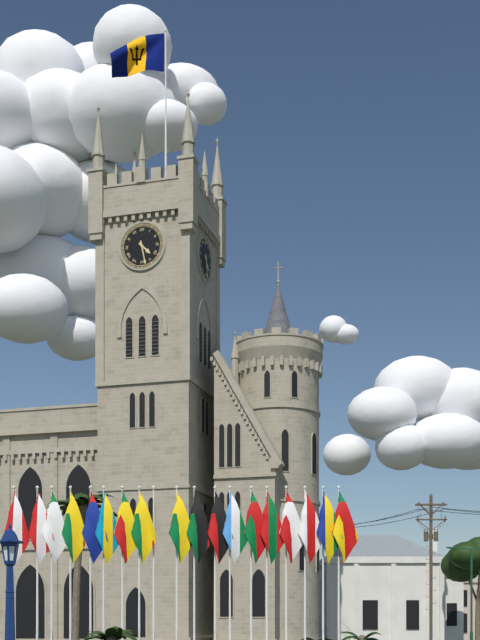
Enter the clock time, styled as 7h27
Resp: 4h28
